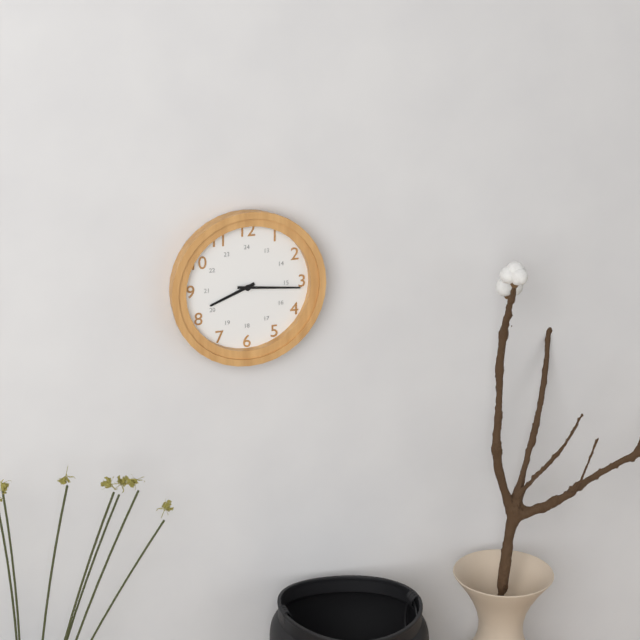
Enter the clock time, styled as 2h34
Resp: 8h16
